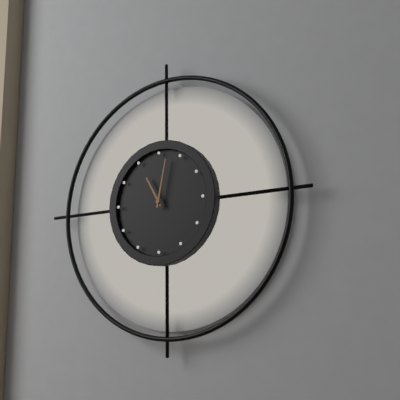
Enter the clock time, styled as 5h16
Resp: 11h02
